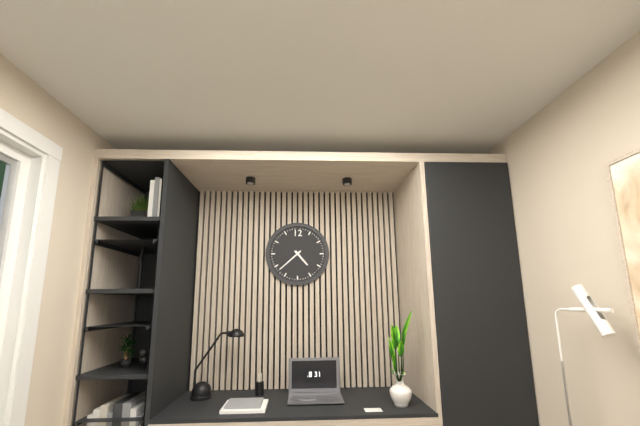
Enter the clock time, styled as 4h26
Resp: 4h38
